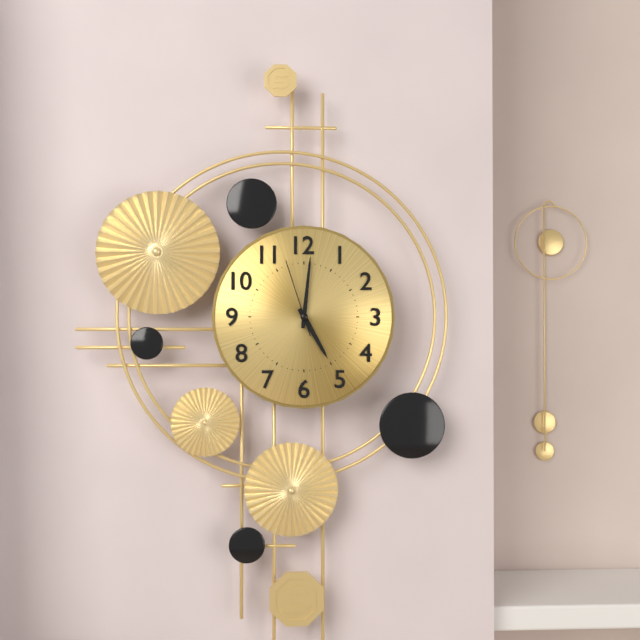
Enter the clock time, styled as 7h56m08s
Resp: 5h01m57s
